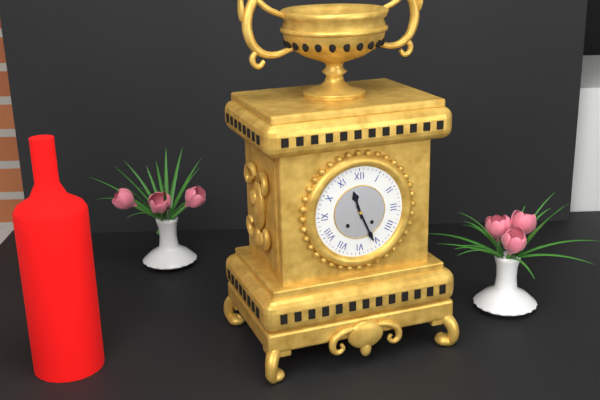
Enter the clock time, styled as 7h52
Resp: 11h26
